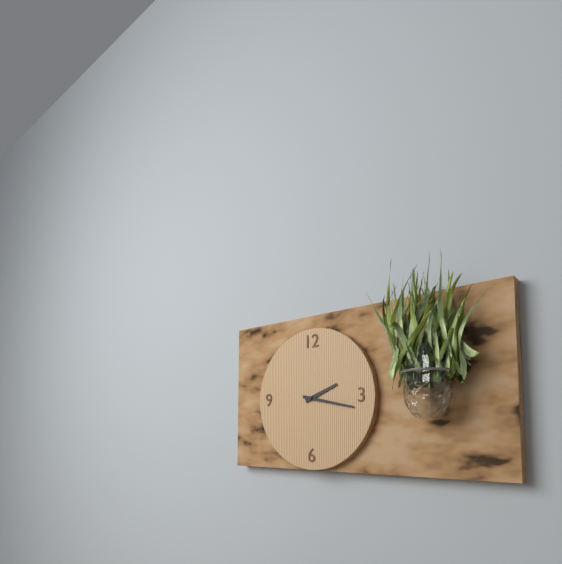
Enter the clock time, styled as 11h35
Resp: 2h17
